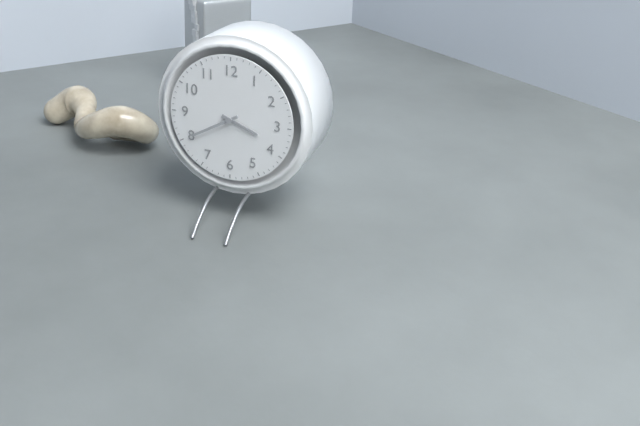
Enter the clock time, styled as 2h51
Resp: 3h40
